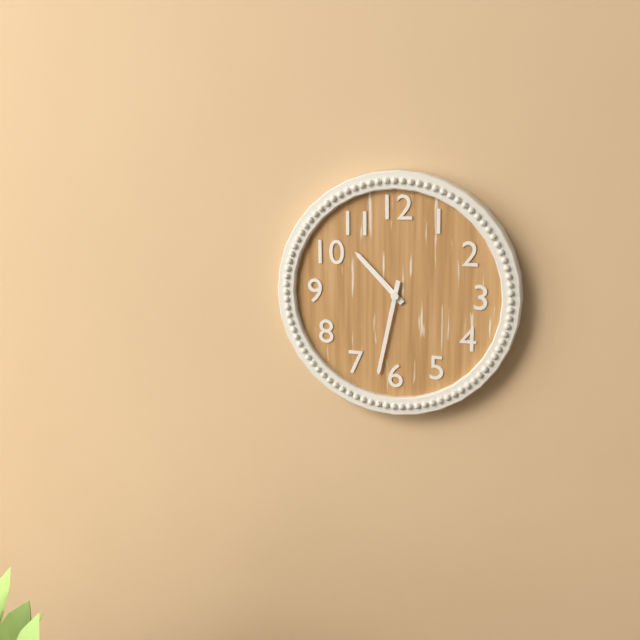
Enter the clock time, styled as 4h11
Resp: 10h32
